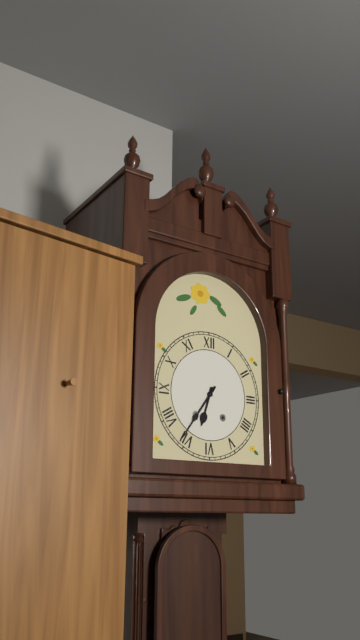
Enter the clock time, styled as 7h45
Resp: 6h36
